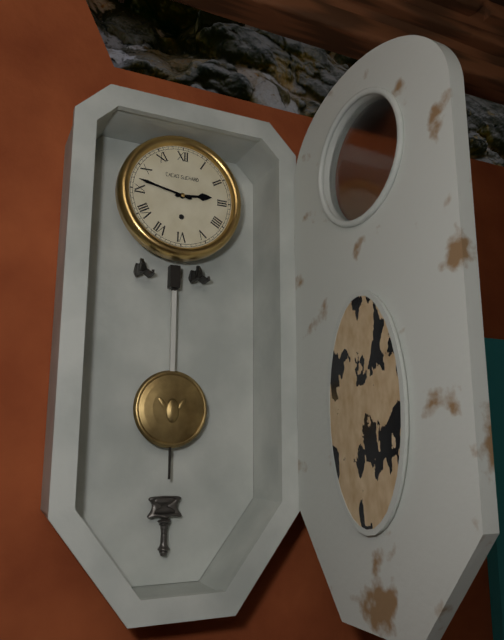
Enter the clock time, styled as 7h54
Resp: 2h47
